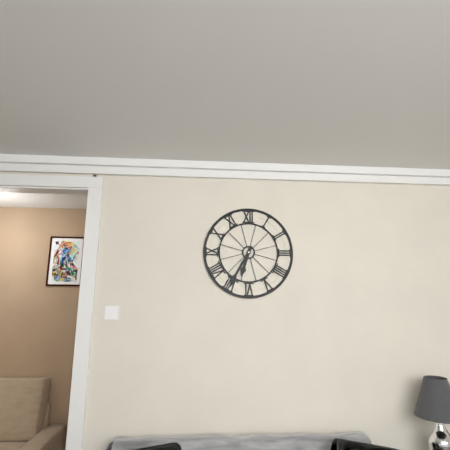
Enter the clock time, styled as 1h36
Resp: 6h35
